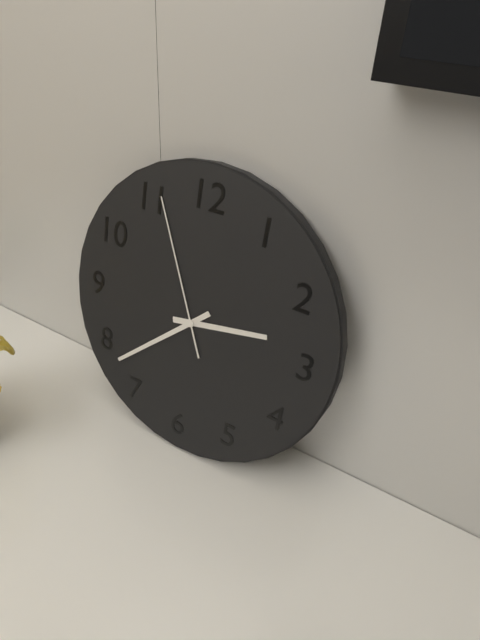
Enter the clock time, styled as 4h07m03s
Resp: 2h38m56s
